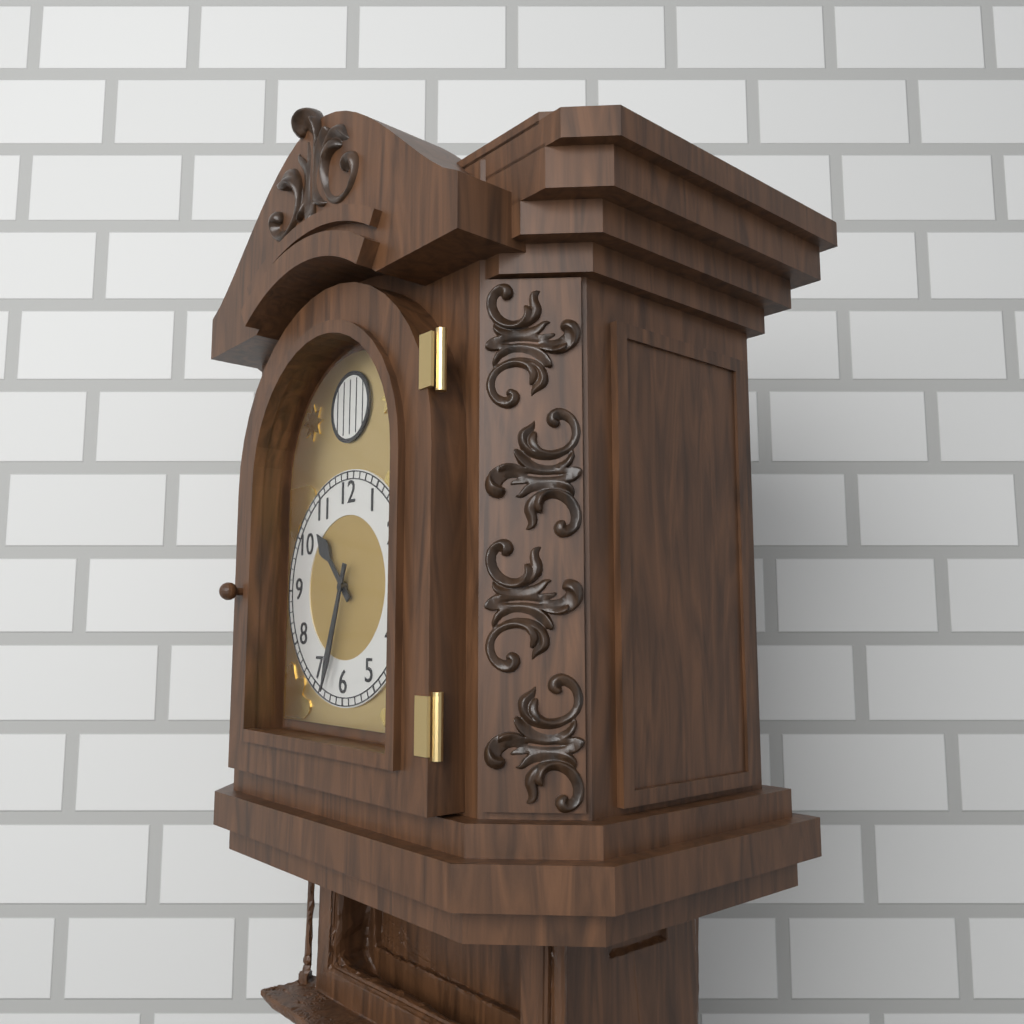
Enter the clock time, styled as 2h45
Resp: 10h33
